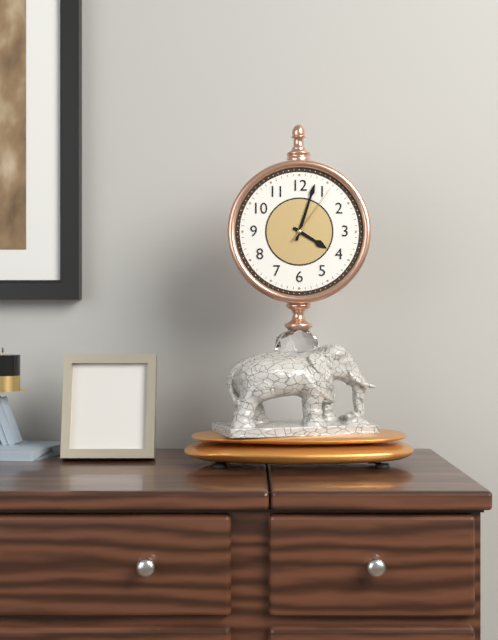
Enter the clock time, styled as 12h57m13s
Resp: 4h03m06s
